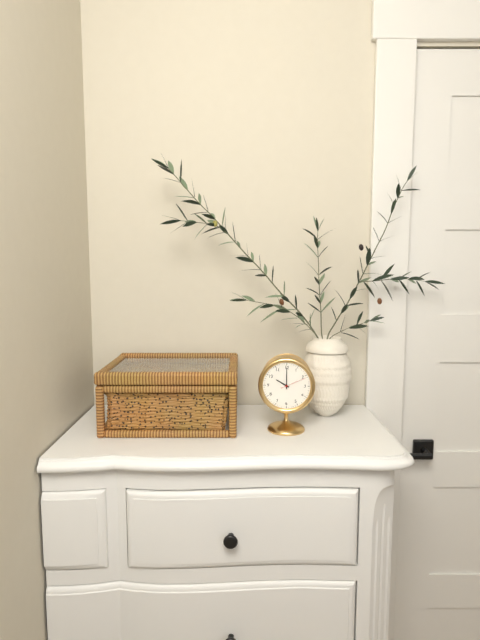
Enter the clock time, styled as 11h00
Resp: 10h00
